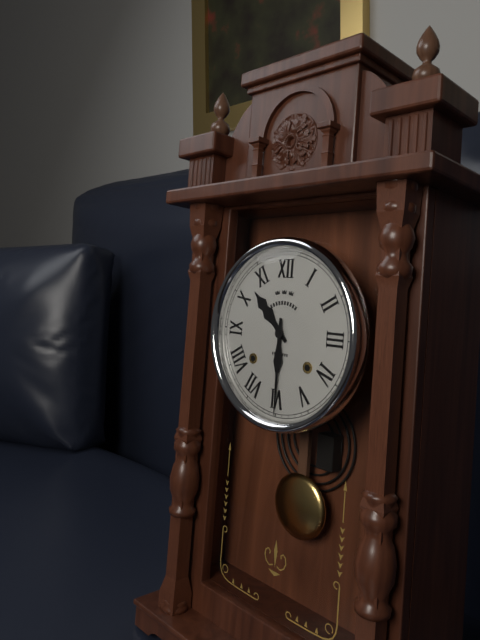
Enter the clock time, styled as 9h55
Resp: 10h30
